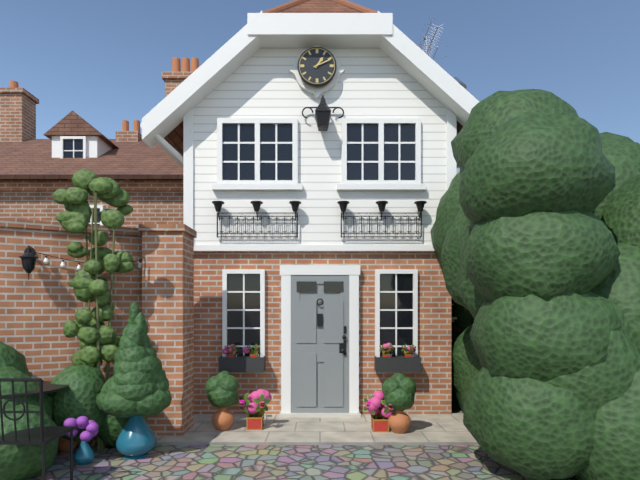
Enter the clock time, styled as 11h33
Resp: 1h11
